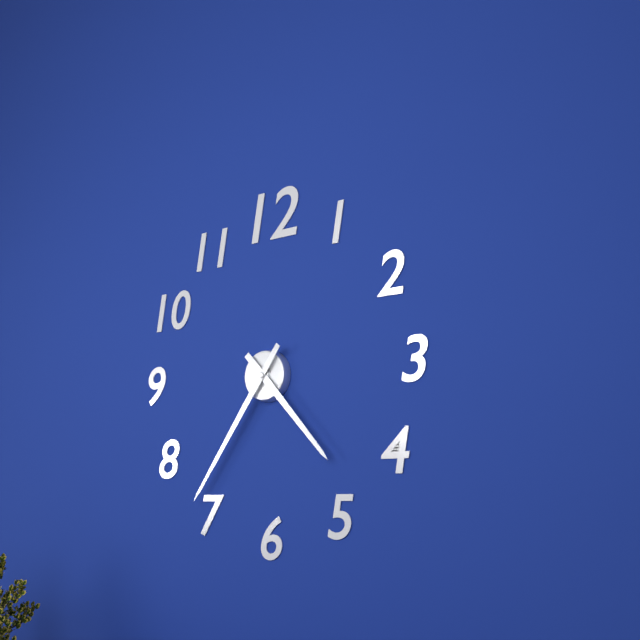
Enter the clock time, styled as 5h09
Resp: 4h36
